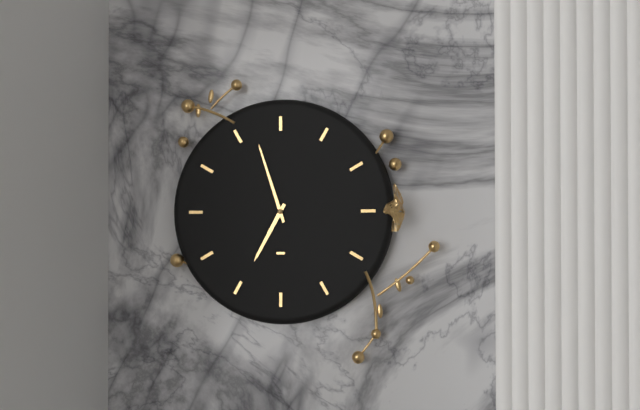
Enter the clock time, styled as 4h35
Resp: 6h57
